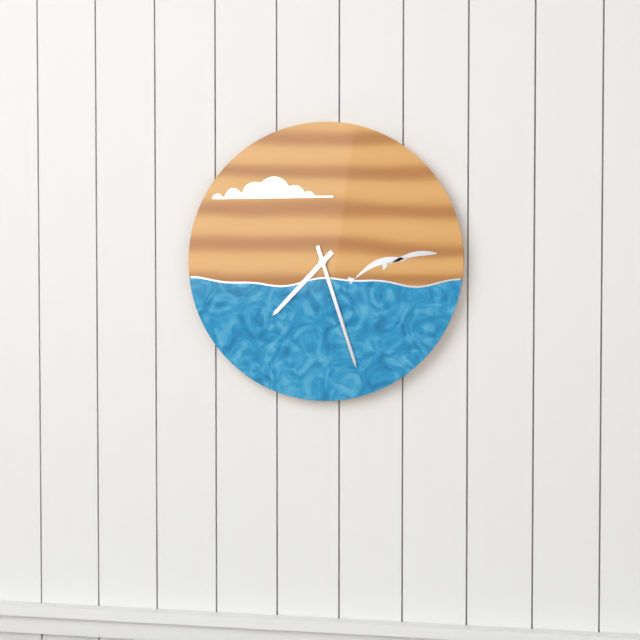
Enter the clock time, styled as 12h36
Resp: 7h27
